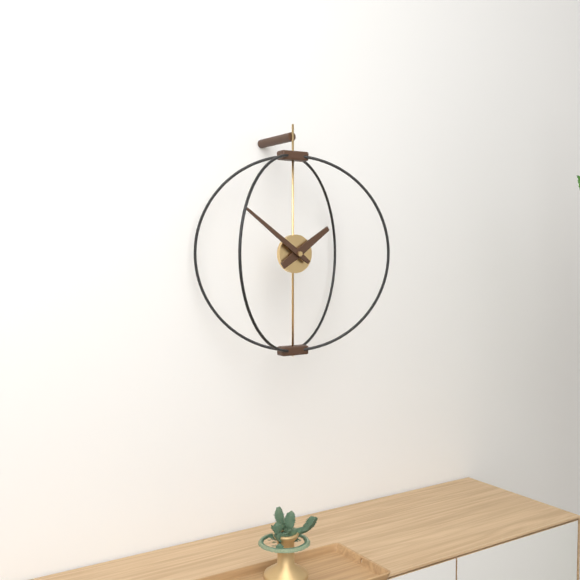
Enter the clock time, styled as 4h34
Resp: 1h51
